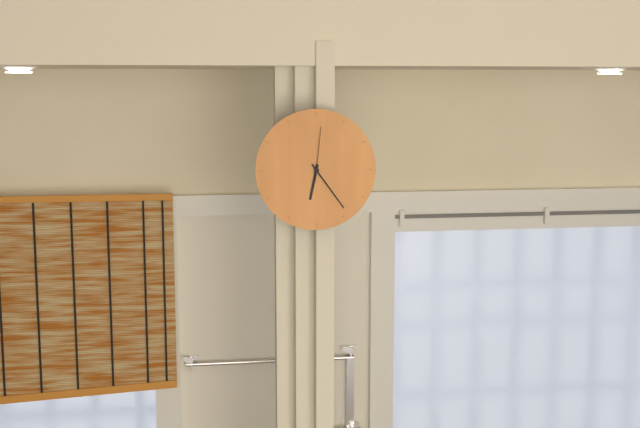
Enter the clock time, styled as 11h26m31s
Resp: 6h24m01s
